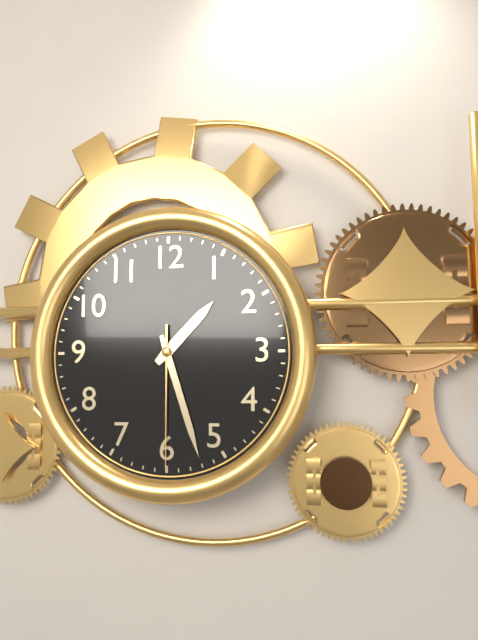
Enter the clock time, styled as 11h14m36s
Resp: 1h27m30s
